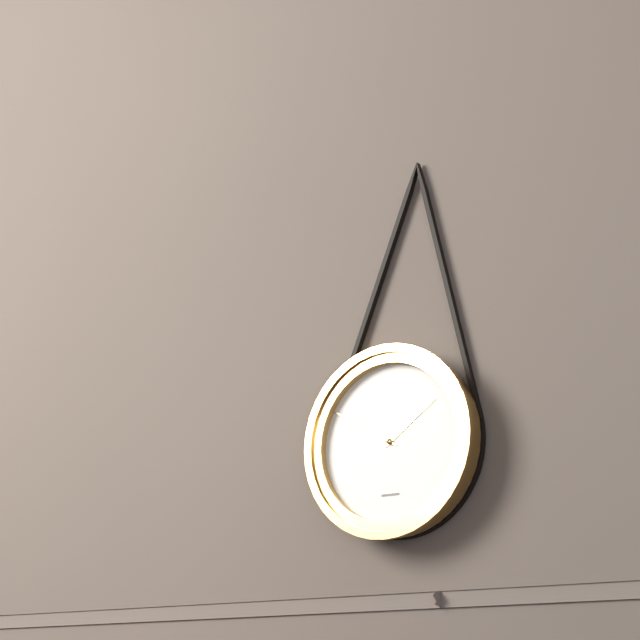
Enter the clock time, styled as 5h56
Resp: 1h50
